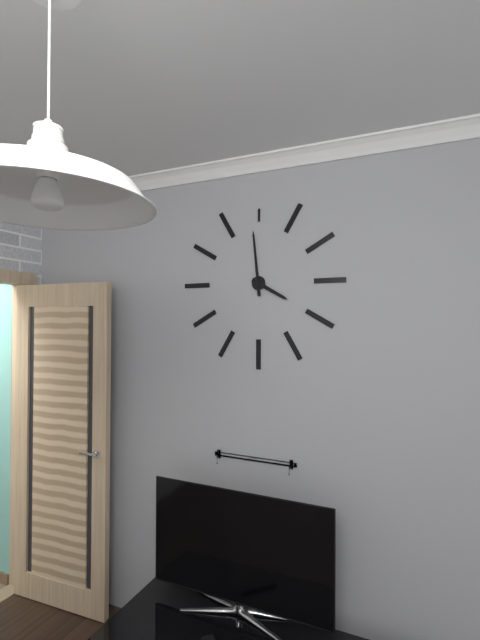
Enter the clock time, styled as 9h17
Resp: 3h59
